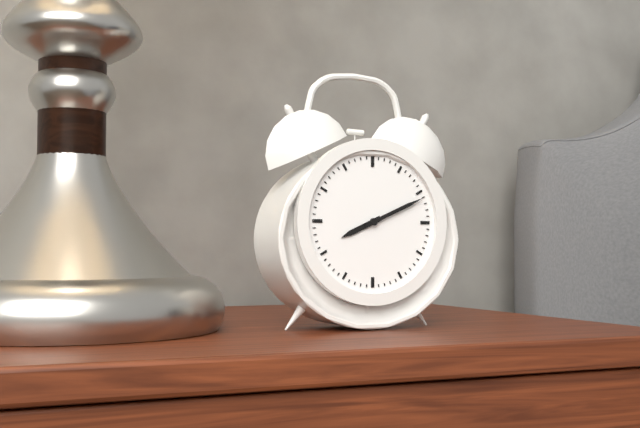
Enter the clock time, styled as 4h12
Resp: 8h11
